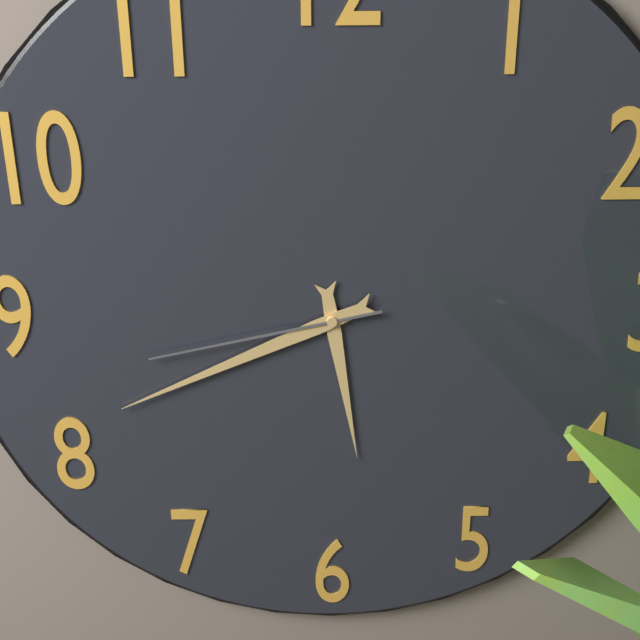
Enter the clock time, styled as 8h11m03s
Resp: 5h41m43s
